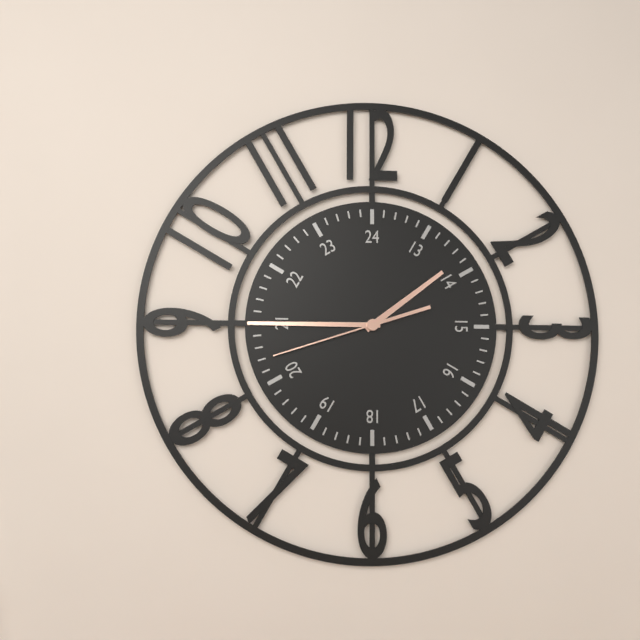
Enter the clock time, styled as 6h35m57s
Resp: 1h45m42s
